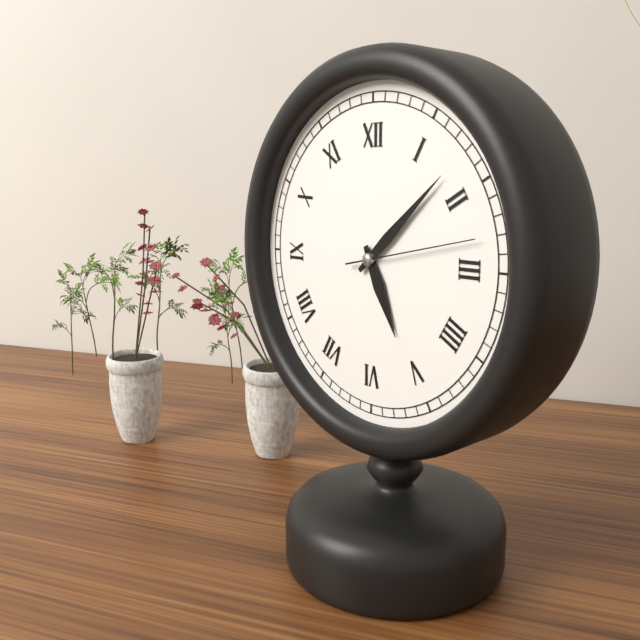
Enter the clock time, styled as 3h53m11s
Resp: 5h08m13s
